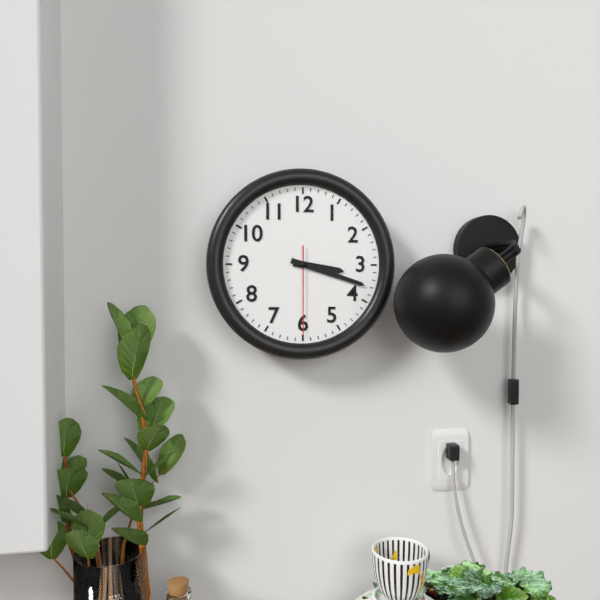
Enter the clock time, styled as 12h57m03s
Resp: 3h18m30s
